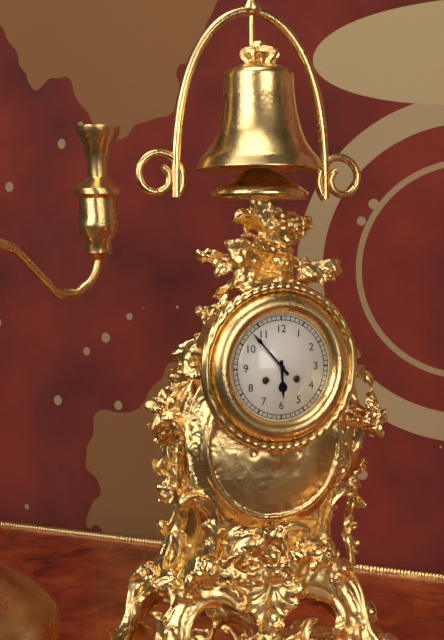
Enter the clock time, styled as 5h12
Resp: 5h53
